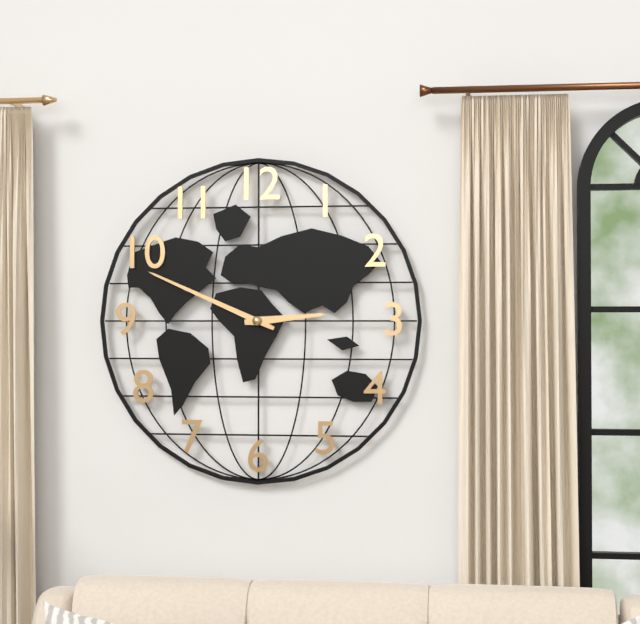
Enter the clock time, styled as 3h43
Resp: 2h49
